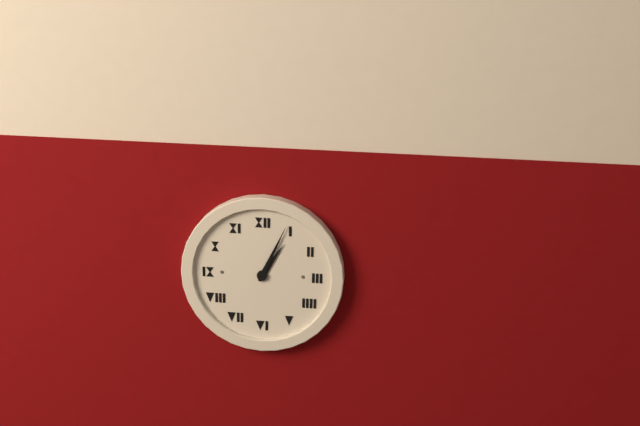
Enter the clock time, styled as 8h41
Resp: 1h04
